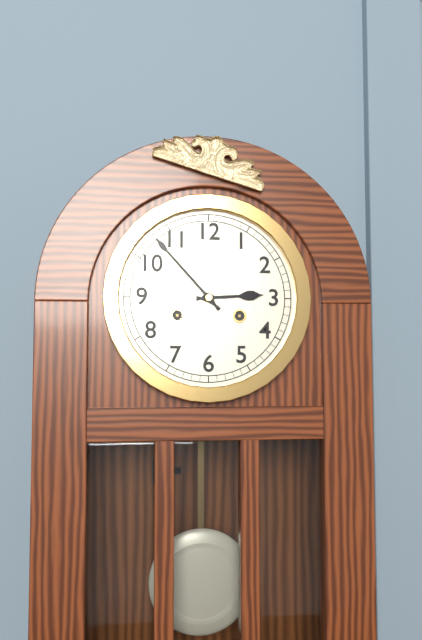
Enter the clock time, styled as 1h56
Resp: 2h53
